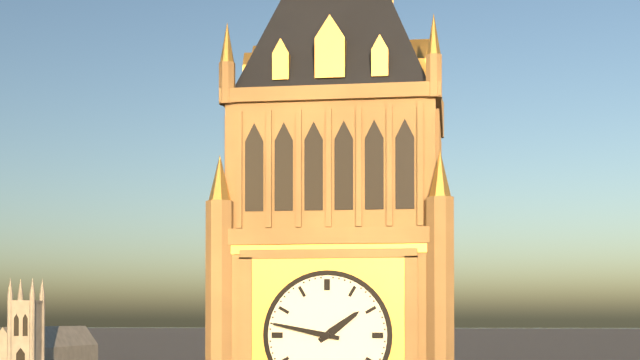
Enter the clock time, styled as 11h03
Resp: 1h47
